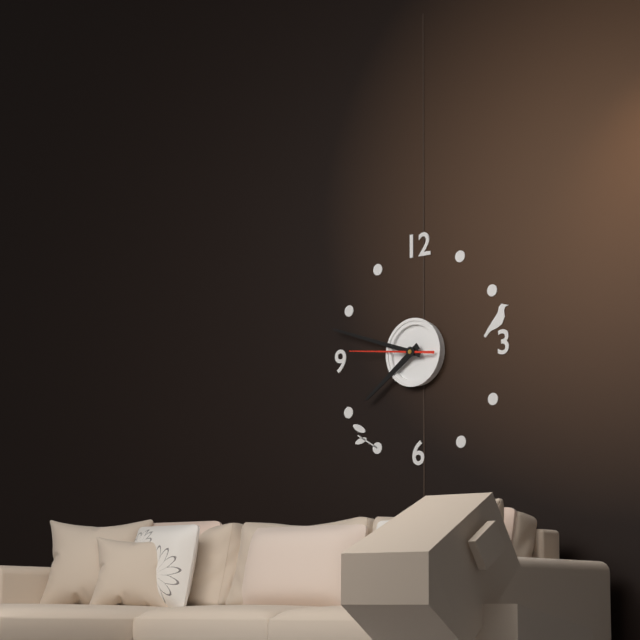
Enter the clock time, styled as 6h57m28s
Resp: 7h48m46s
